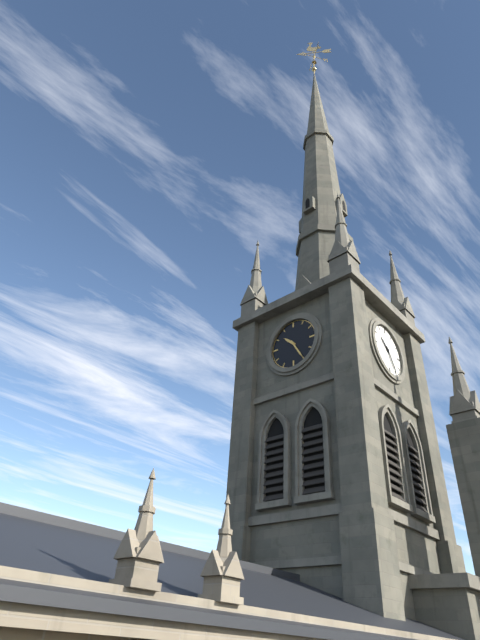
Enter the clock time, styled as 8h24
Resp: 10h25
